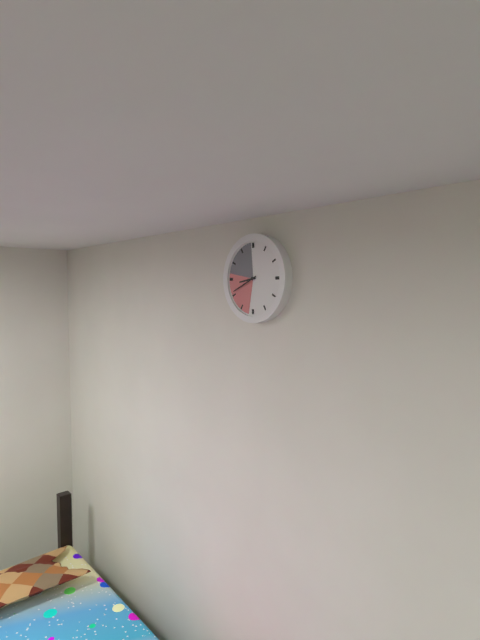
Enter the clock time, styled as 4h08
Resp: 8h41
